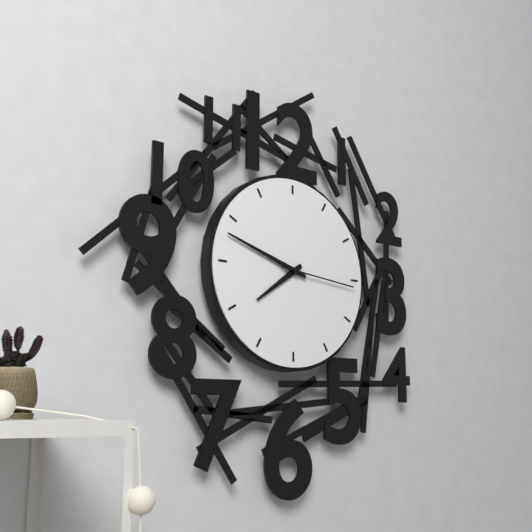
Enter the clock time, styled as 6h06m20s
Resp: 7h48m16s
